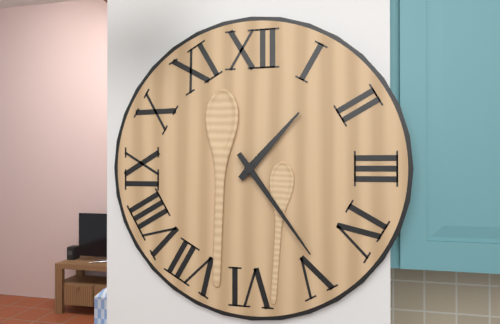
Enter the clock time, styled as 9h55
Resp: 1h24
